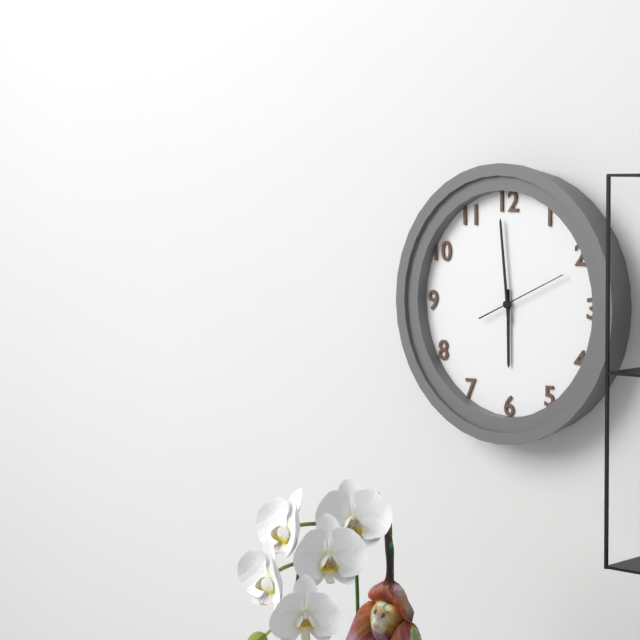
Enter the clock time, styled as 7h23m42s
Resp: 5h59m11s
